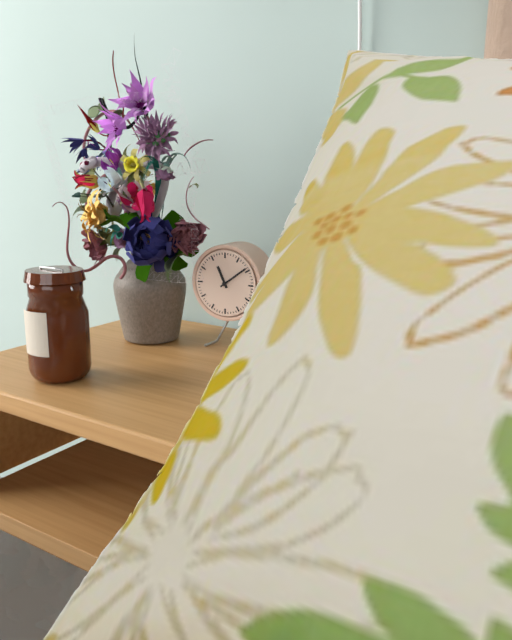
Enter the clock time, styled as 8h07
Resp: 11h09
